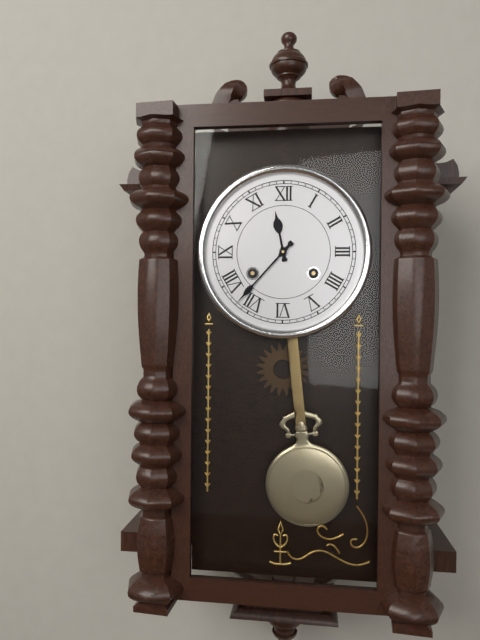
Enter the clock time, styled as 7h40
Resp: 11h37
